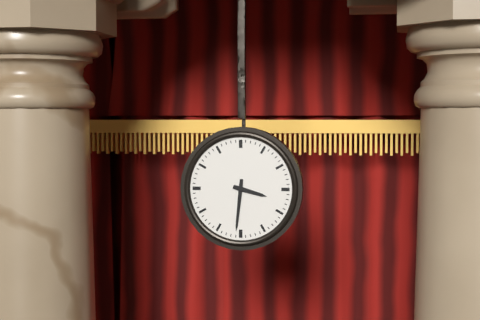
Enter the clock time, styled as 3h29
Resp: 3h31
